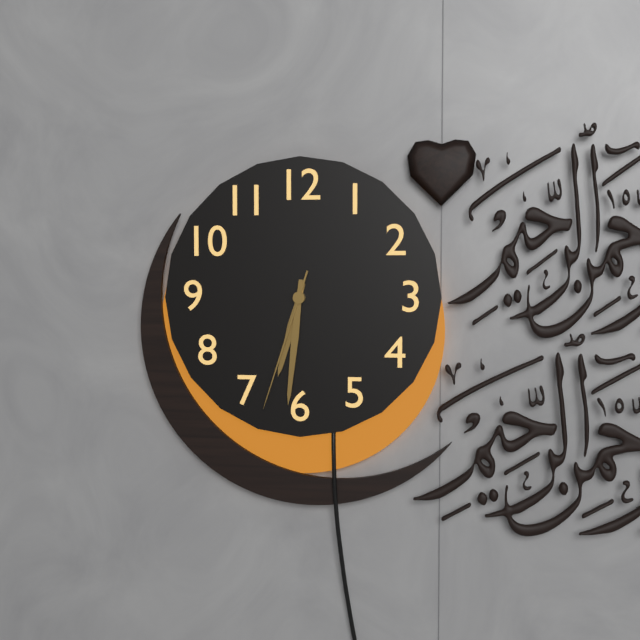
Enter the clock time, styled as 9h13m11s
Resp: 6h31m33s
